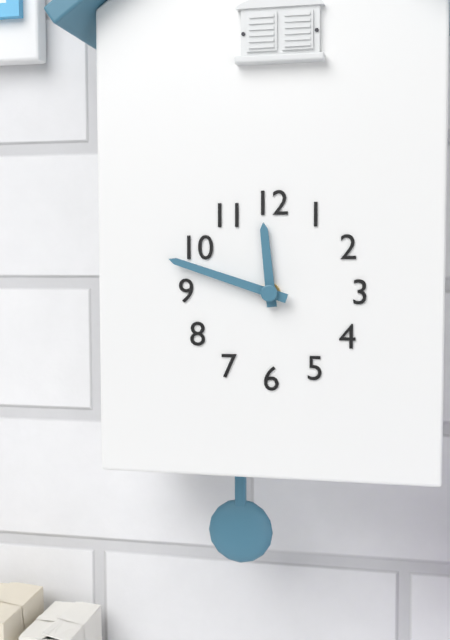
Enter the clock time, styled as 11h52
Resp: 11h48
